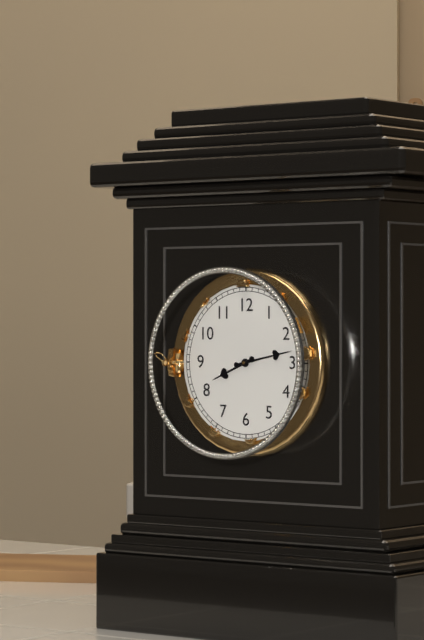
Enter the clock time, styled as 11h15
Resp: 8h13
